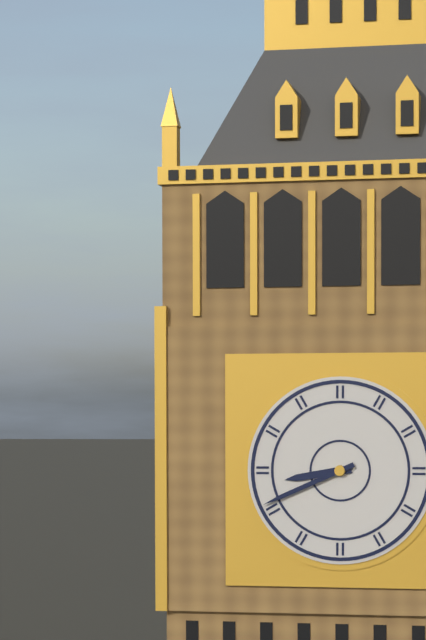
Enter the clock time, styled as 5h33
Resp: 8h41
